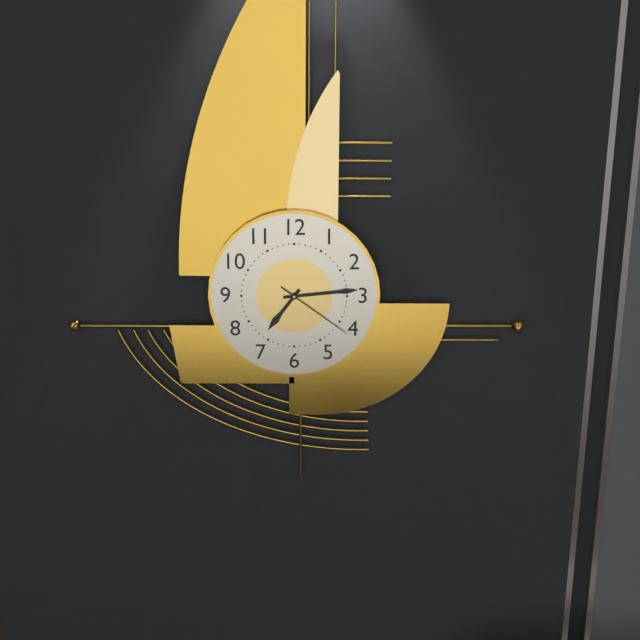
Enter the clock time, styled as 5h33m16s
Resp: 7h14m21s
